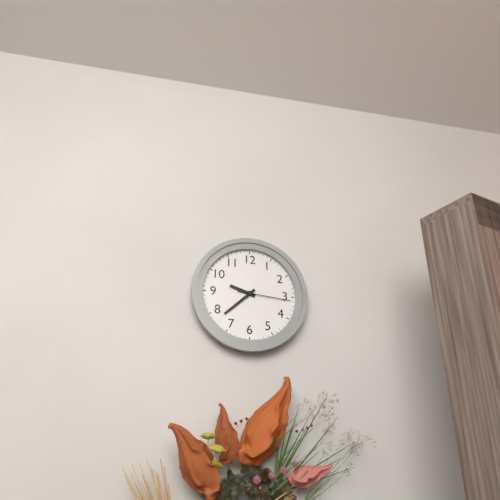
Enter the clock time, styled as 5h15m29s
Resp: 9h38m16s
